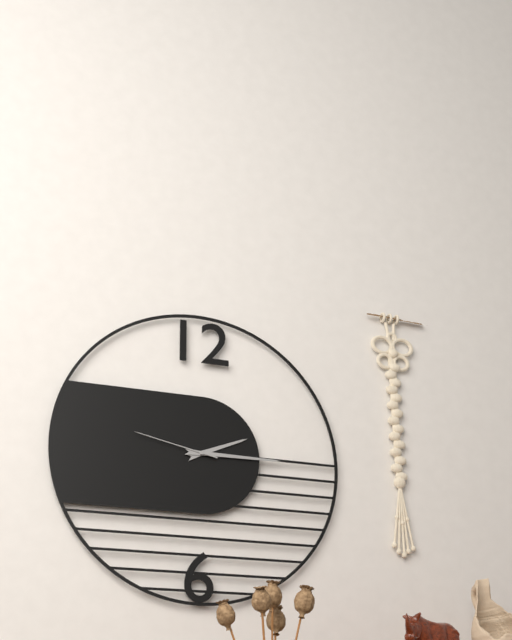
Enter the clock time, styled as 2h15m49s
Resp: 2h15m47s
